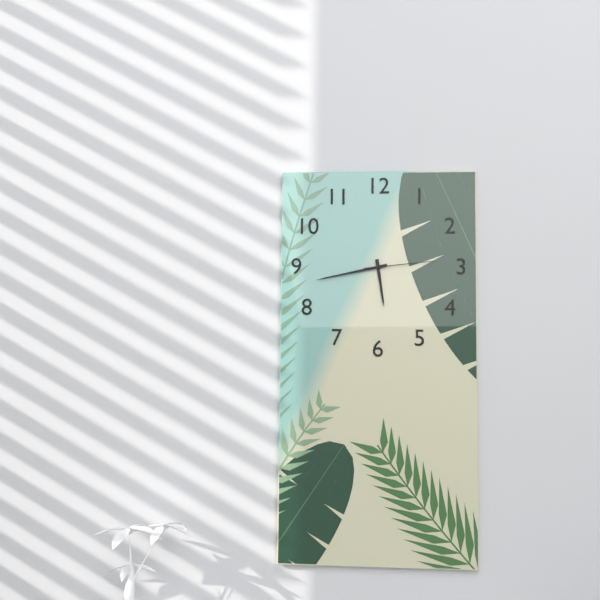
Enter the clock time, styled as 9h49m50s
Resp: 5h43m14s
